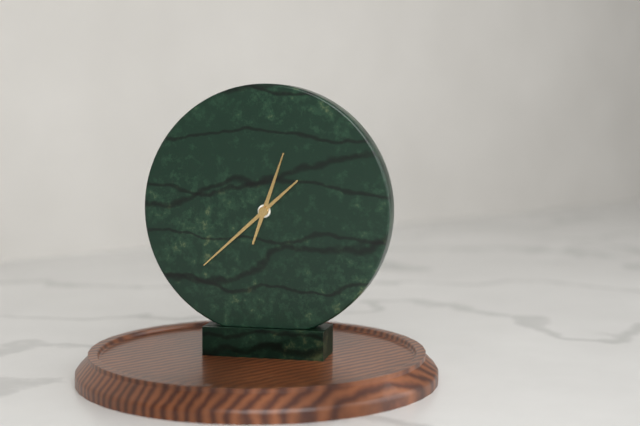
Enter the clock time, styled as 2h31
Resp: 12h38
